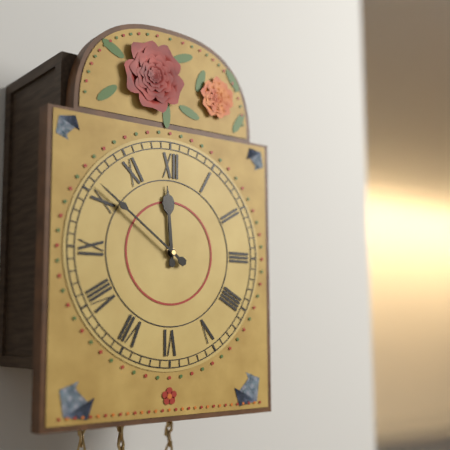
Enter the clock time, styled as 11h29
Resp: 11h51
